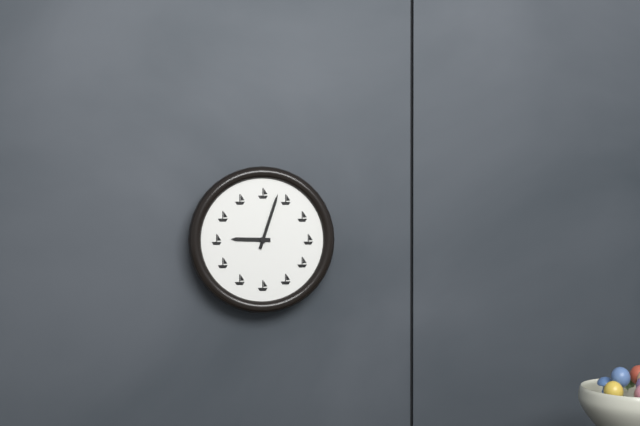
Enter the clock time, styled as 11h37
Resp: 9h03
